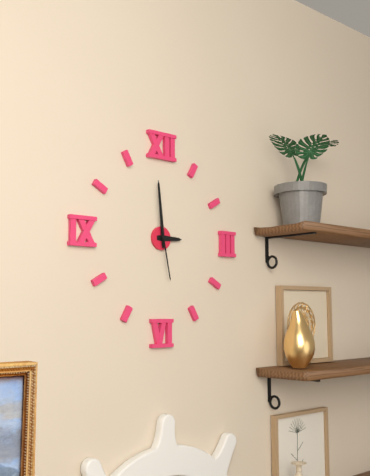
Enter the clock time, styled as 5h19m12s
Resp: 2h59m28s
